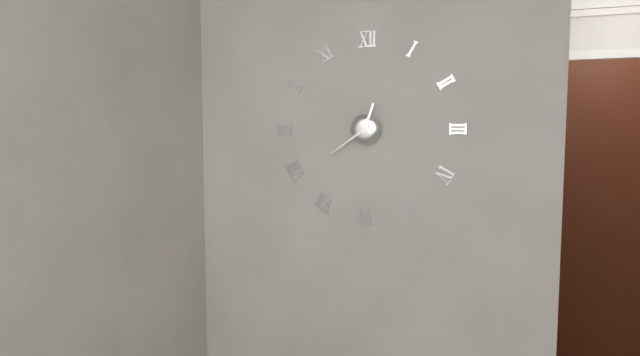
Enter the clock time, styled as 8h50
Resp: 12h39
